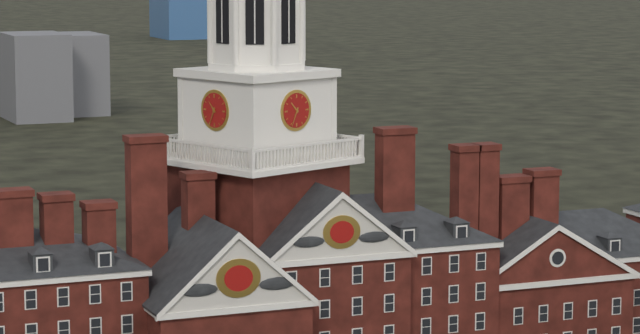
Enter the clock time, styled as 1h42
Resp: 10h34
